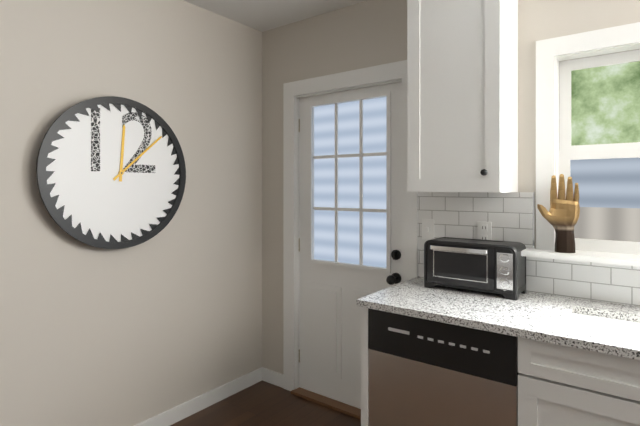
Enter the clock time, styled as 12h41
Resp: 12h08
